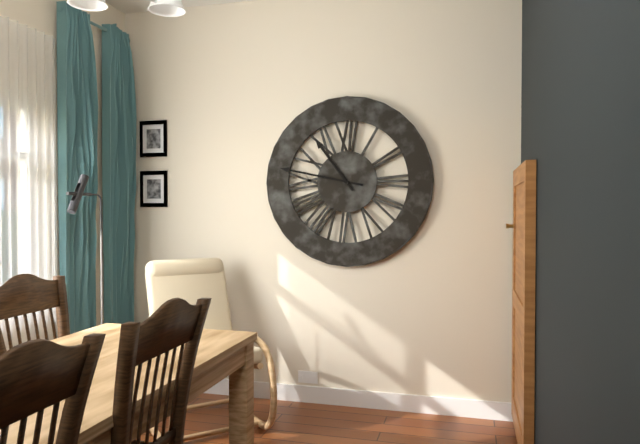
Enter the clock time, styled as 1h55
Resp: 10h47
